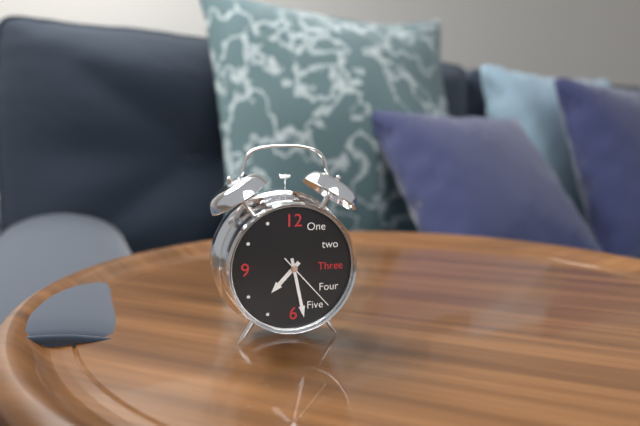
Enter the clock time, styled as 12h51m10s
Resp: 7h28m23s
